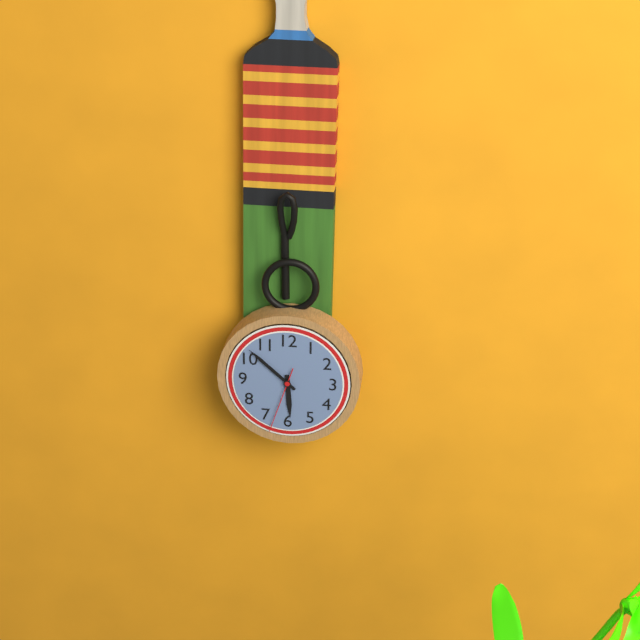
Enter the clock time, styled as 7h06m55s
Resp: 5h52m33s
